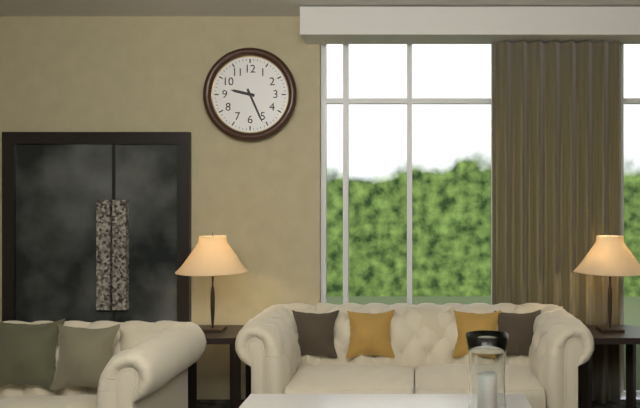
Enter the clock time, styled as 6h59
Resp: 9h26
